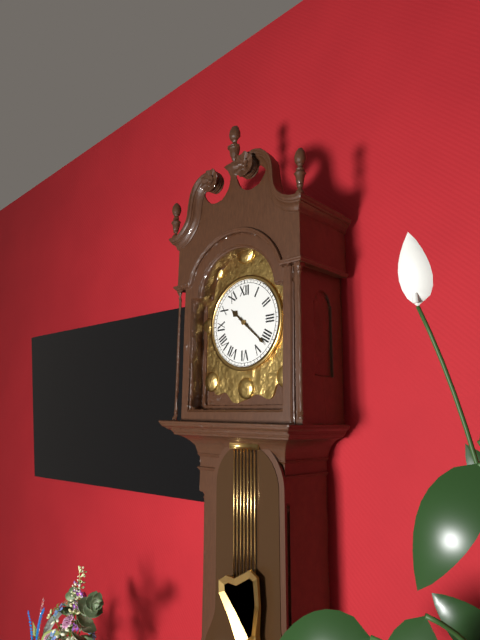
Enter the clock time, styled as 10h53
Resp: 10h22
